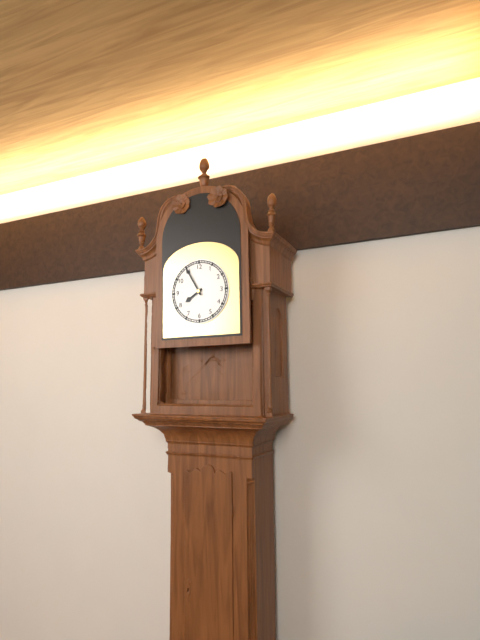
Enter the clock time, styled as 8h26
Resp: 7h55
